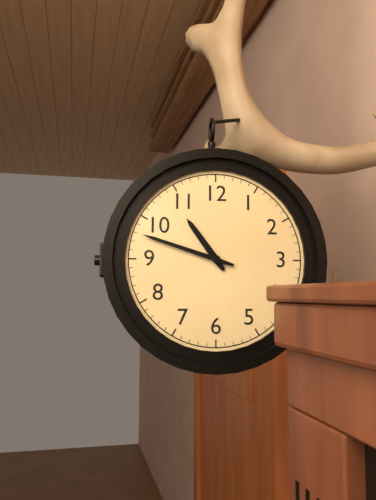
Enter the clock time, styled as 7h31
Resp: 10h48
